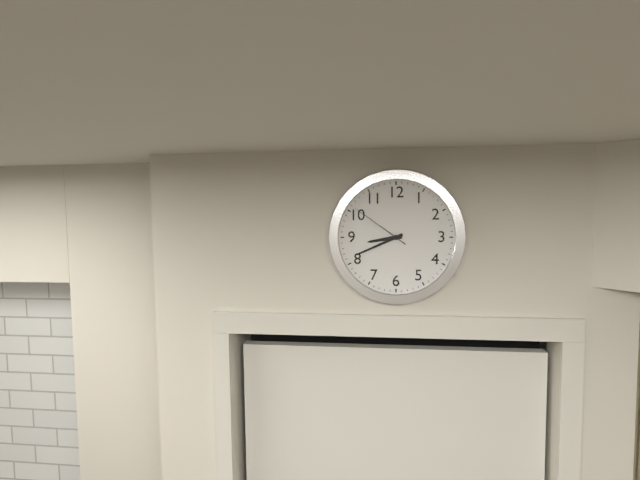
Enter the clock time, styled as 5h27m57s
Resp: 8h41m51s
